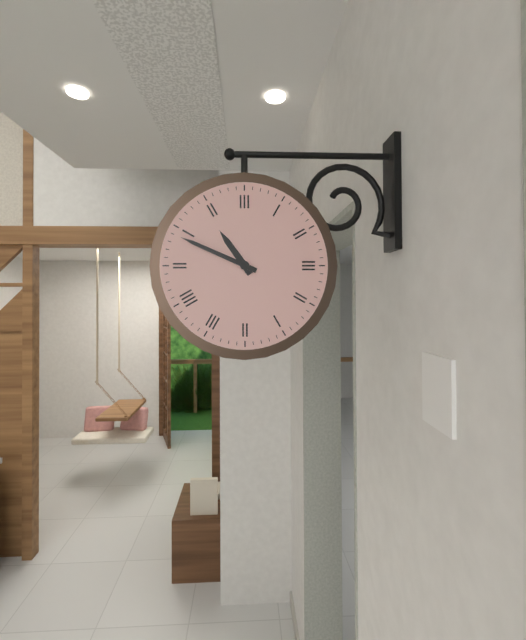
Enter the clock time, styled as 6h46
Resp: 10h49
